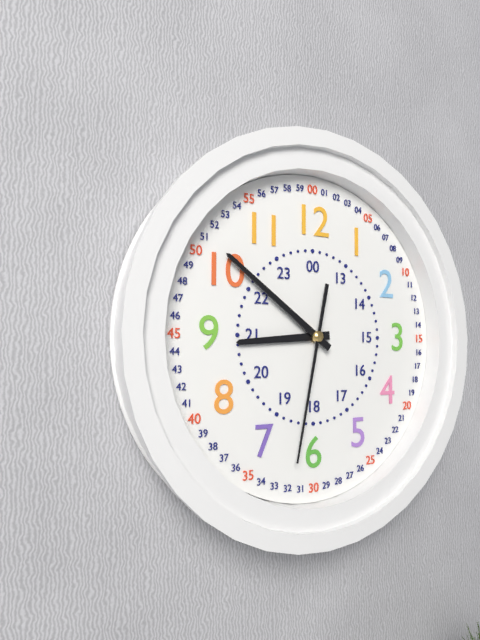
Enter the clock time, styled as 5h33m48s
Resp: 8h51m32s
